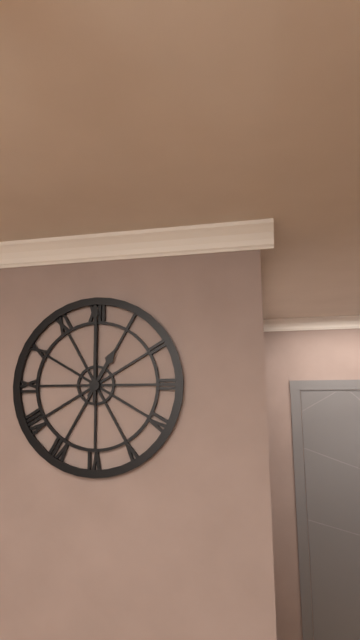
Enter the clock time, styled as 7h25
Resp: 1h00
